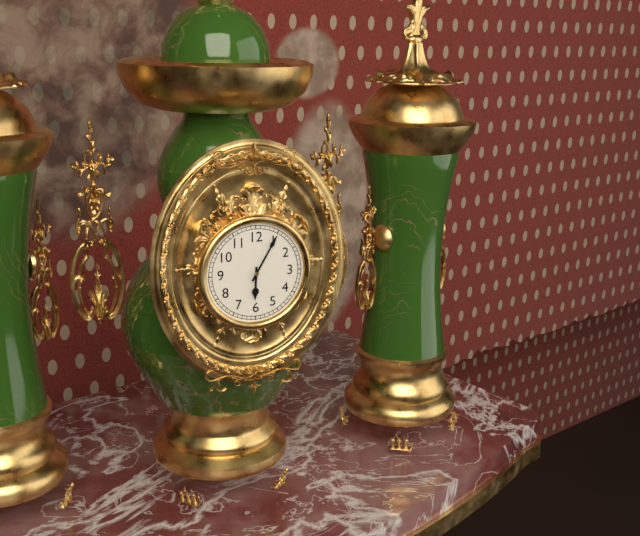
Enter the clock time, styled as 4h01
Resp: 6h05
